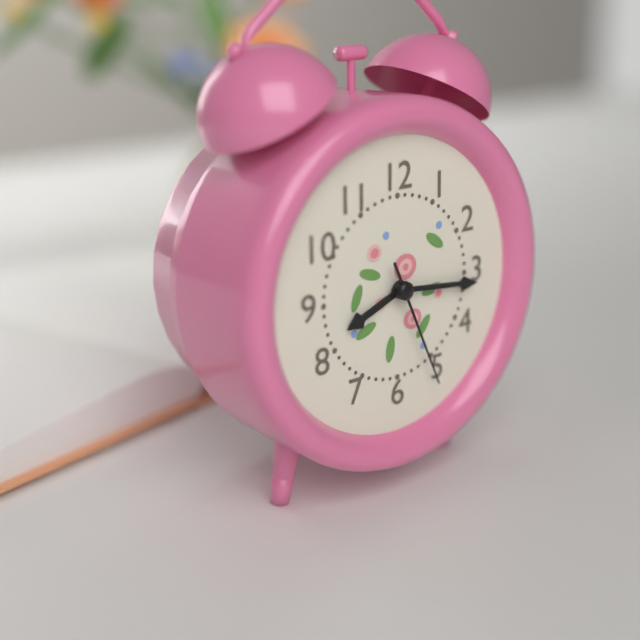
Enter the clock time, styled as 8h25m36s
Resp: 8h16m26s
